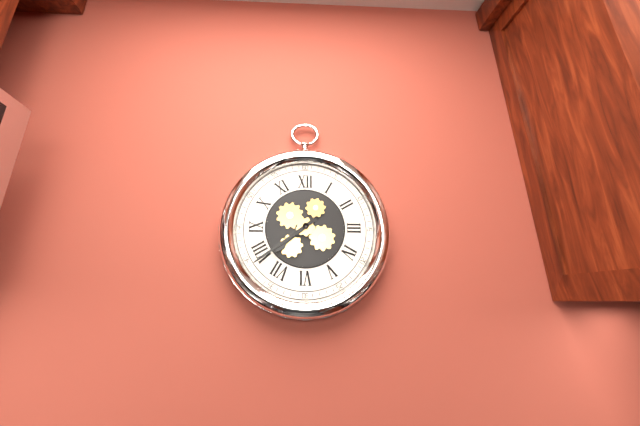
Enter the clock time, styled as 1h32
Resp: 7h39
